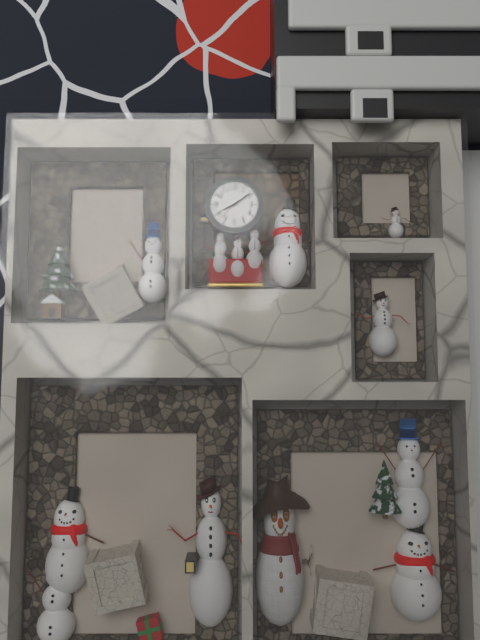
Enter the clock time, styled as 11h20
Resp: 8h09
